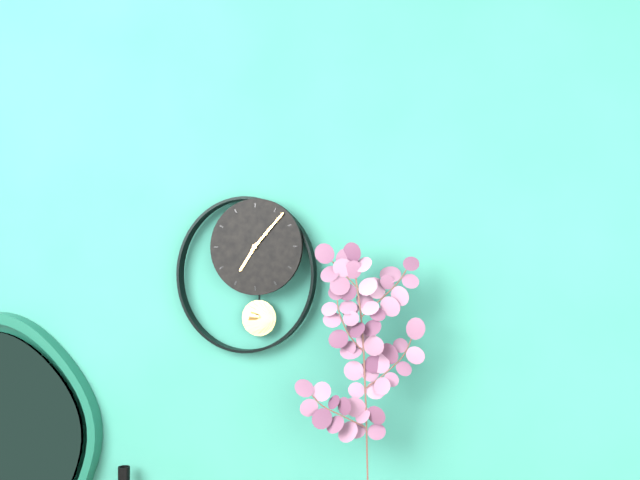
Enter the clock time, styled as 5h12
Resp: 7h07
